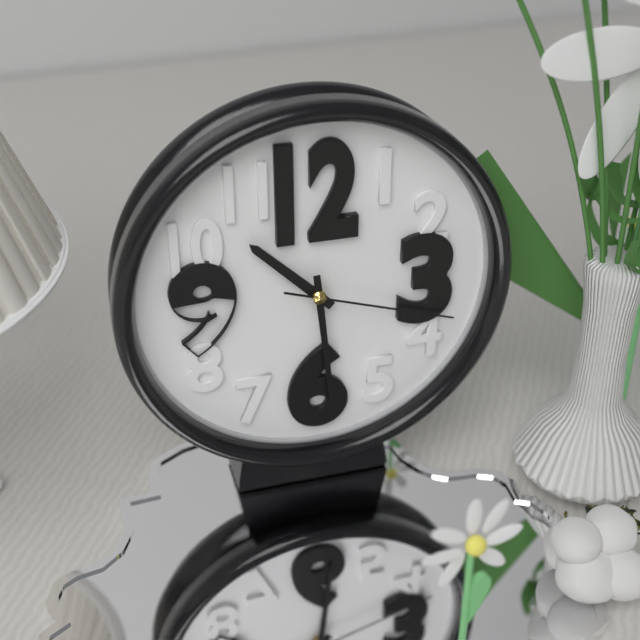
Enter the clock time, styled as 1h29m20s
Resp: 10h29m18s
